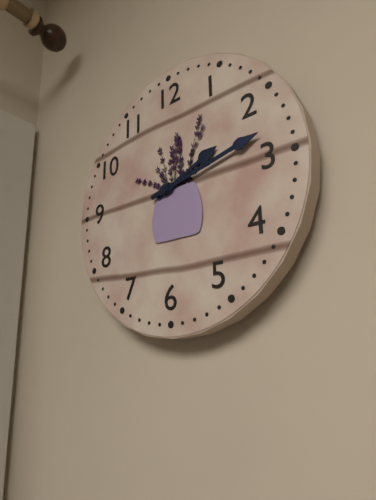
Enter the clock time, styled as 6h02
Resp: 2h13
